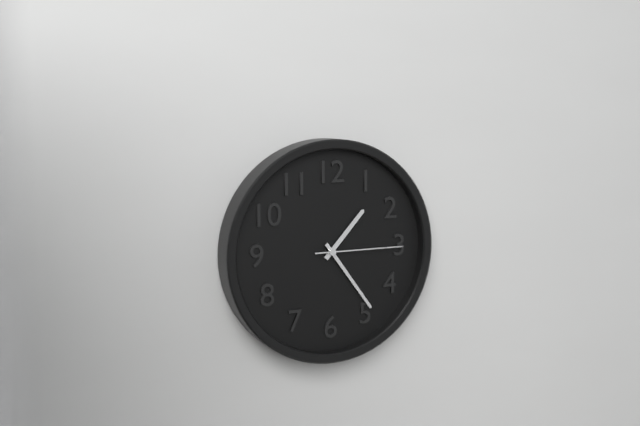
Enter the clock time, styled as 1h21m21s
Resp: 1h24m15s
